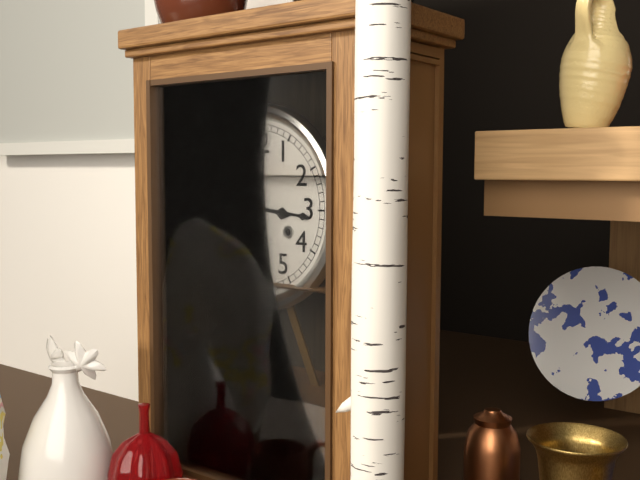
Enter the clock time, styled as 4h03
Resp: 3h16
